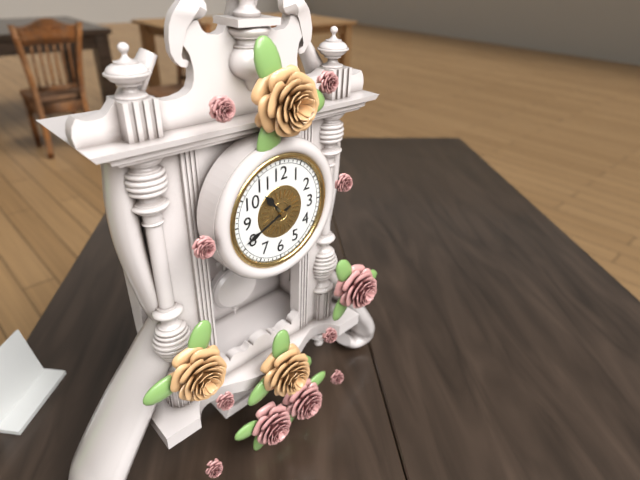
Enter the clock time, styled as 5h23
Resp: 10h41
